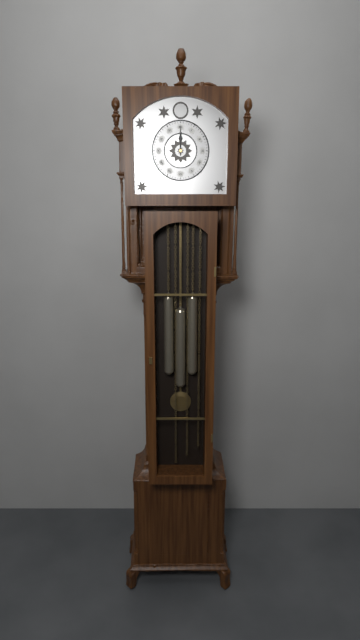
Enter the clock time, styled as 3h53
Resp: 12h00
